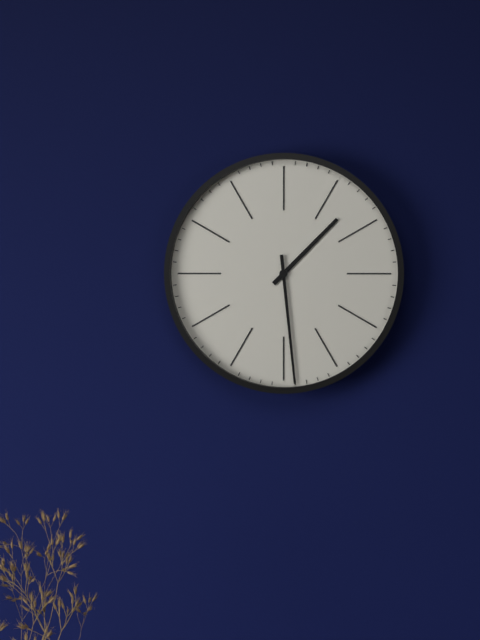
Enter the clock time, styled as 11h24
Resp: 1h29
